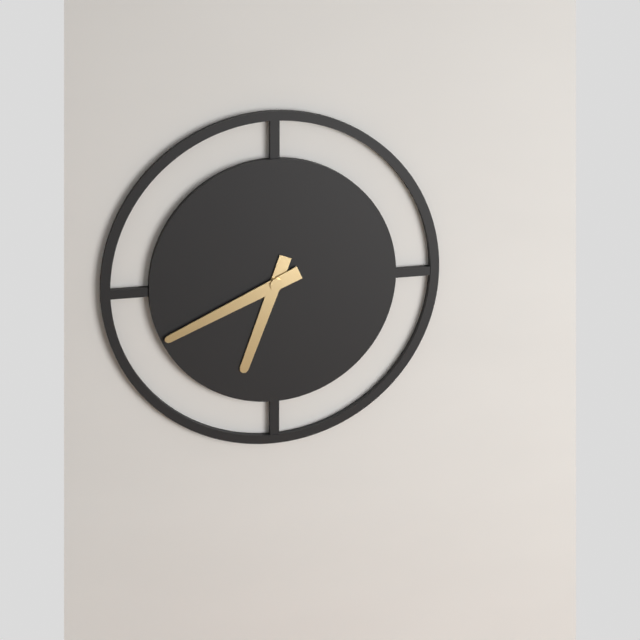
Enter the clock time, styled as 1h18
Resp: 6h41
